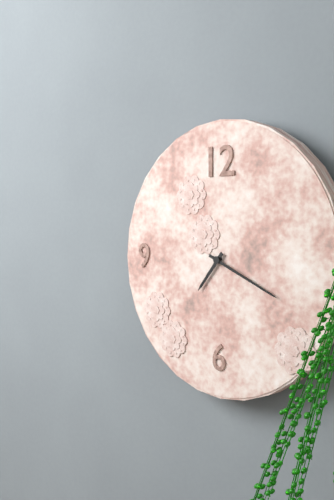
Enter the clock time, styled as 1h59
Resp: 7h19
